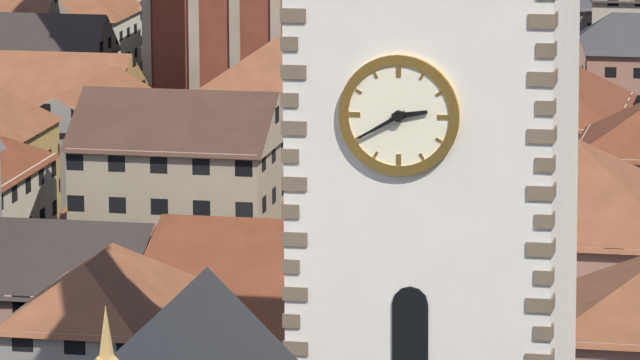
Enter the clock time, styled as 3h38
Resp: 2h40
